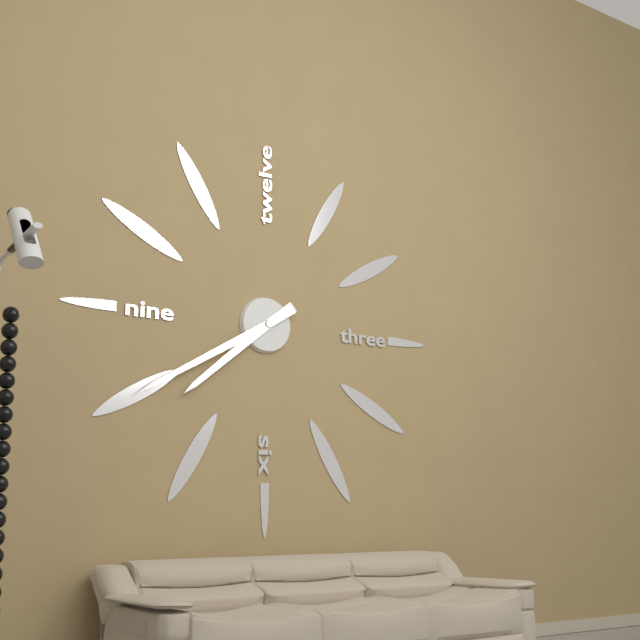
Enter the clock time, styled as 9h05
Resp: 7h40
